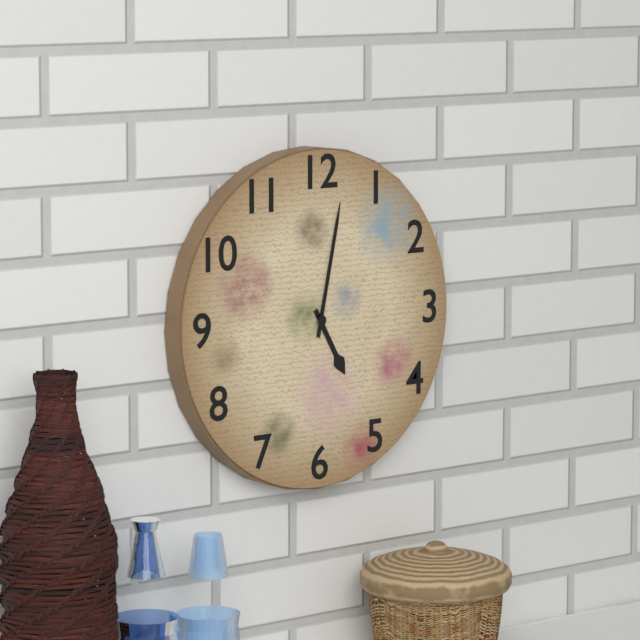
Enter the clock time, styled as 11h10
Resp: 5h02
